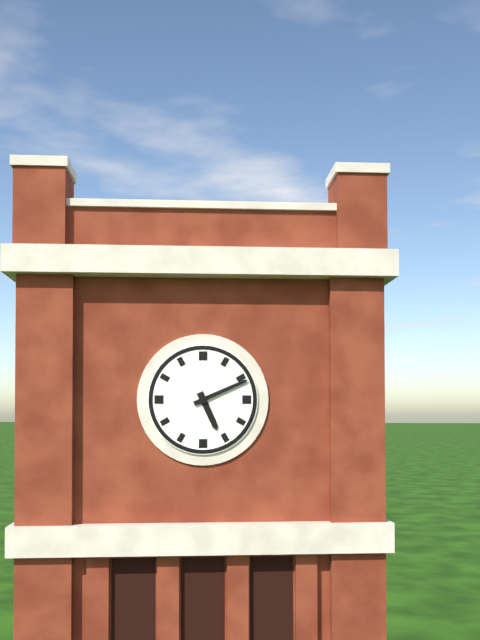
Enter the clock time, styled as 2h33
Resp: 5h11
